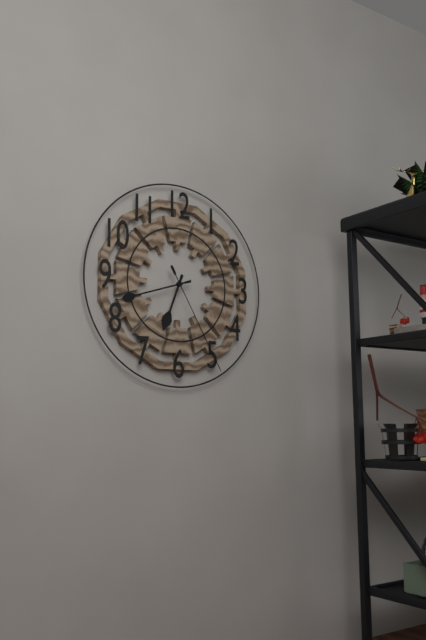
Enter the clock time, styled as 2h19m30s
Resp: 6h42m25s
